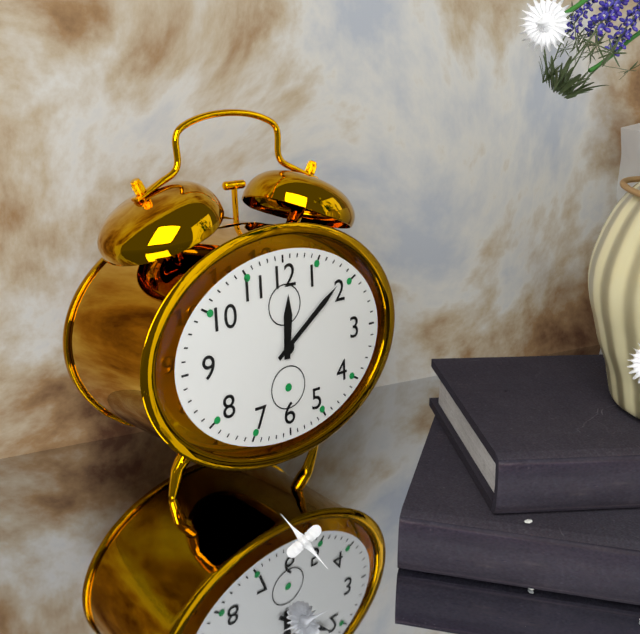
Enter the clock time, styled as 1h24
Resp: 12h09
